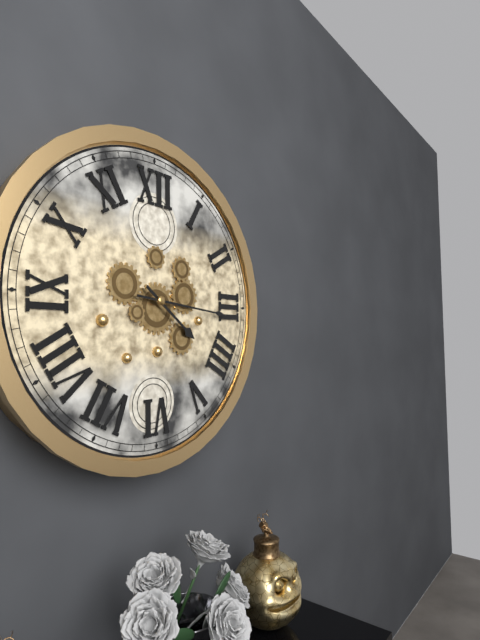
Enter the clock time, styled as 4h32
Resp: 4h16
